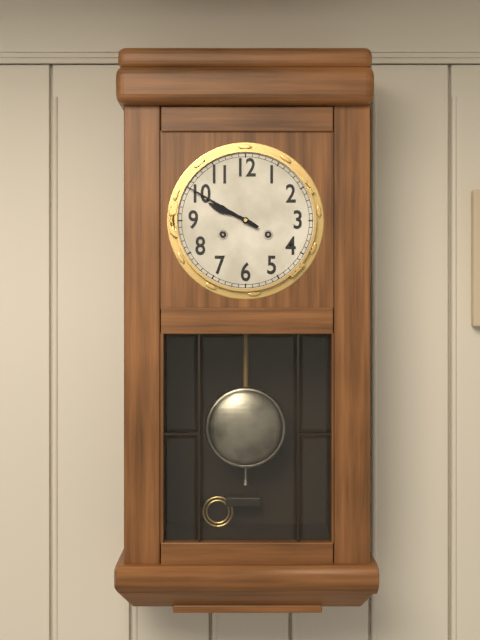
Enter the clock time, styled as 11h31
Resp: 9h50
